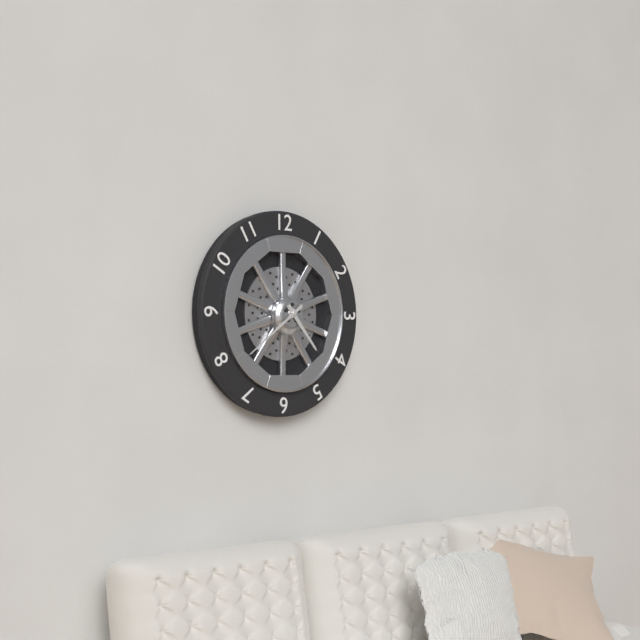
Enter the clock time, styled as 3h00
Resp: 4h39
